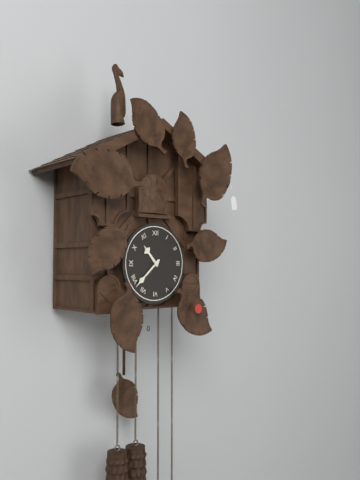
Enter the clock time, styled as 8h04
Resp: 10h38
